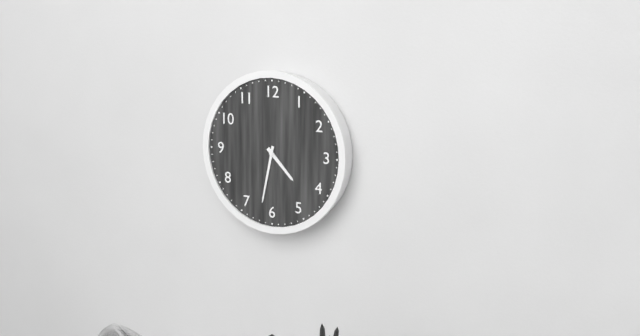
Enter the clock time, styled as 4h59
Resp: 4h32
